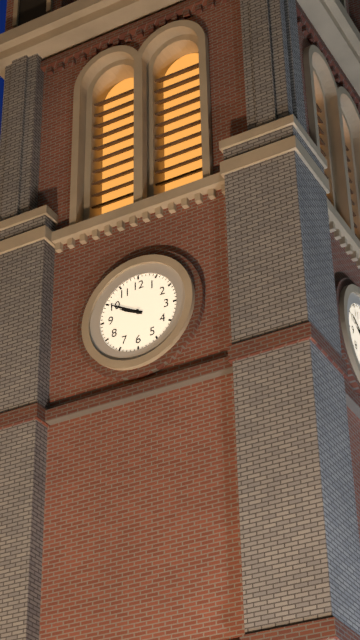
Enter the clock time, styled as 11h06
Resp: 9h50
